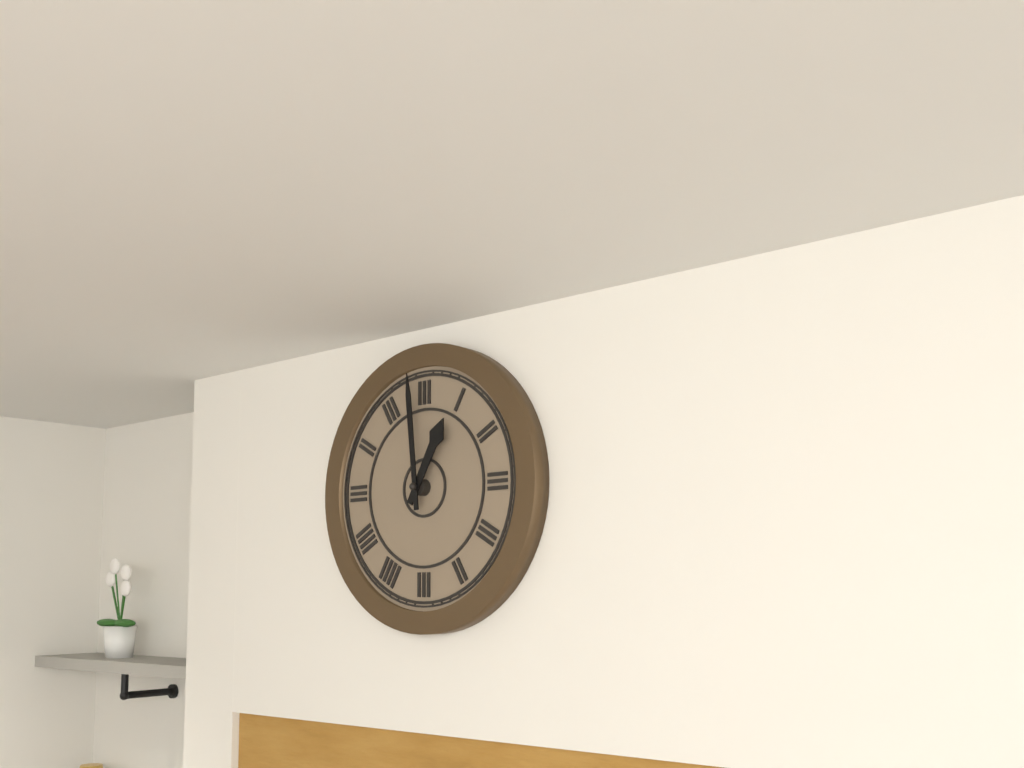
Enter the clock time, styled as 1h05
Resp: 12h59
